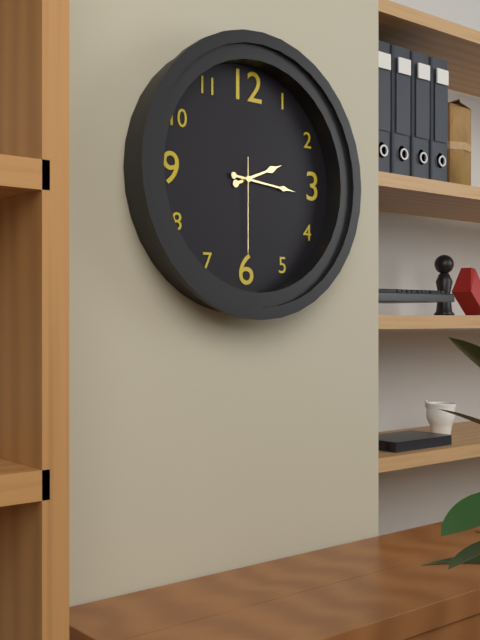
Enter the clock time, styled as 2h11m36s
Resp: 2h16m30s
